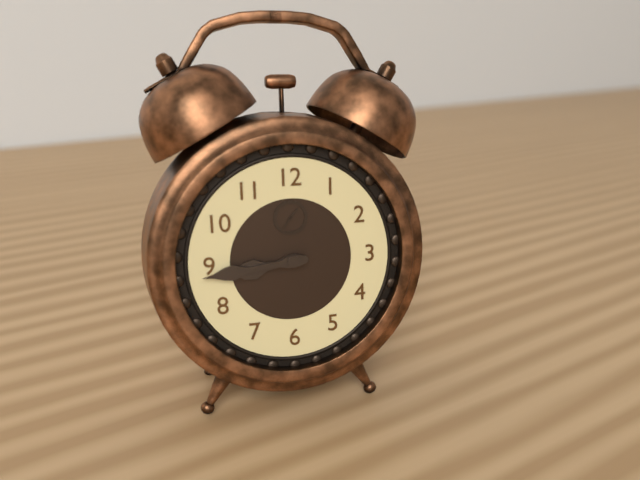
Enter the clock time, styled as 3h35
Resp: 8h44
